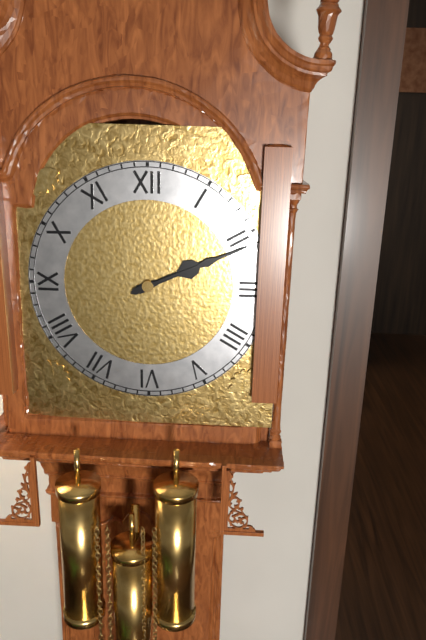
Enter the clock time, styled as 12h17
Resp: 2h11
